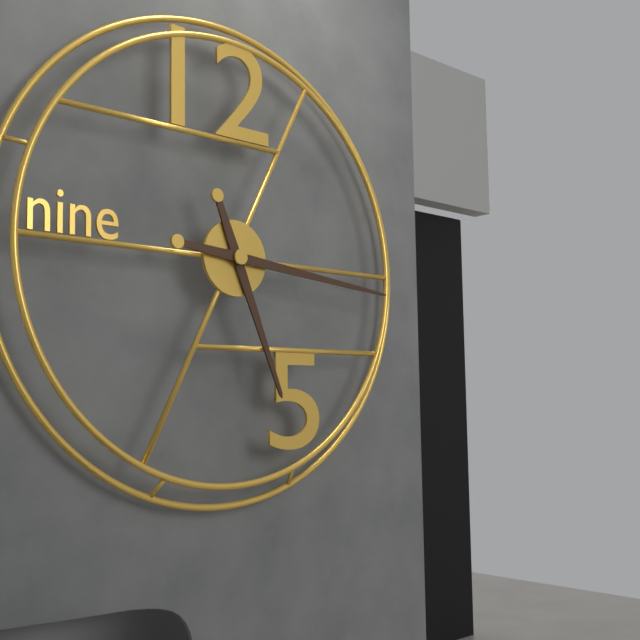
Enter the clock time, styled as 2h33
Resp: 5h16
